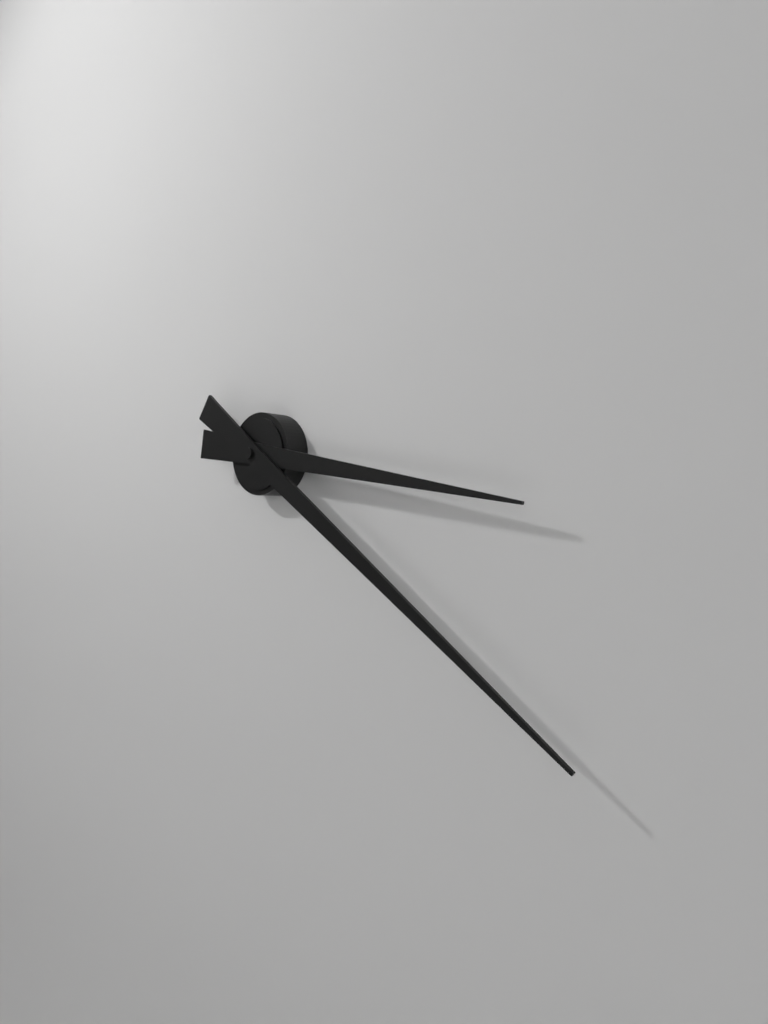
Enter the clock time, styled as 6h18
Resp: 3h21
